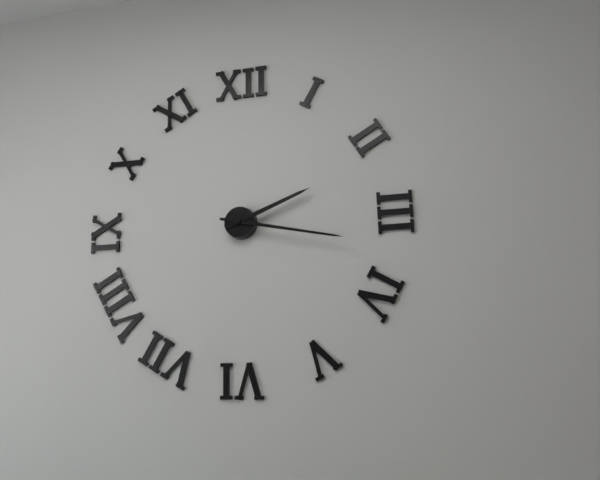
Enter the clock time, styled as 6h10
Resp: 2h17
